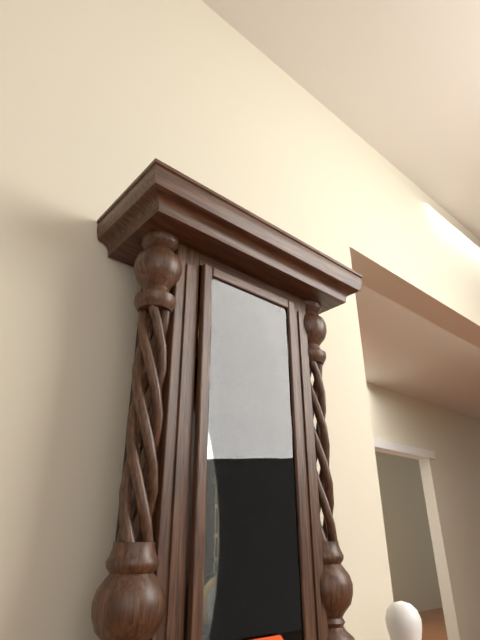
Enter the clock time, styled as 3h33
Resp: 10h56
